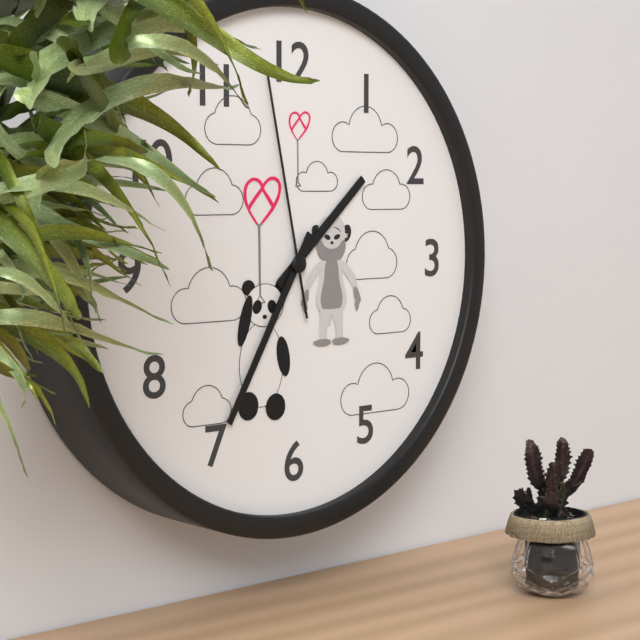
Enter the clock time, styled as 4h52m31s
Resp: 1h35m58s
